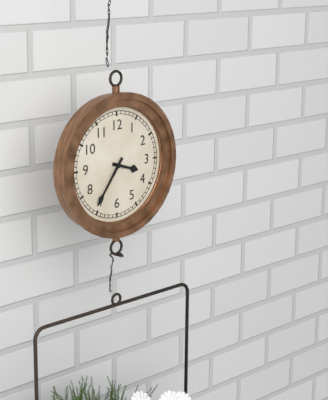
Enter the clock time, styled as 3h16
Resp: 3h36
